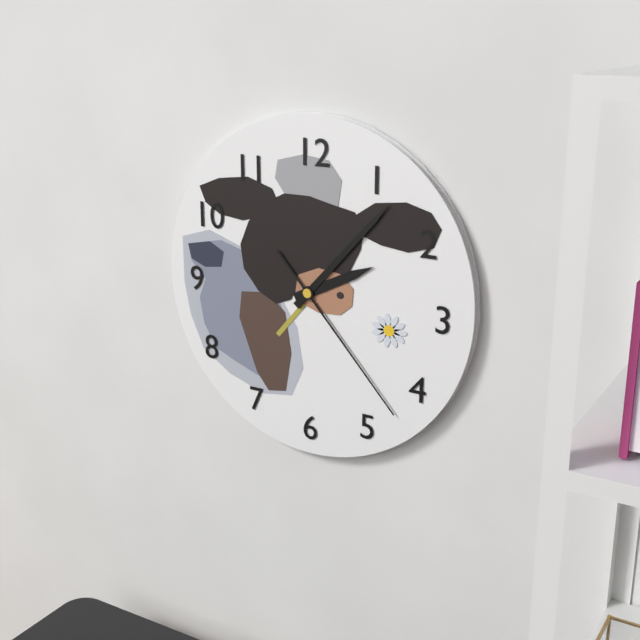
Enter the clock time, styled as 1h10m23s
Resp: 2h07m23s
